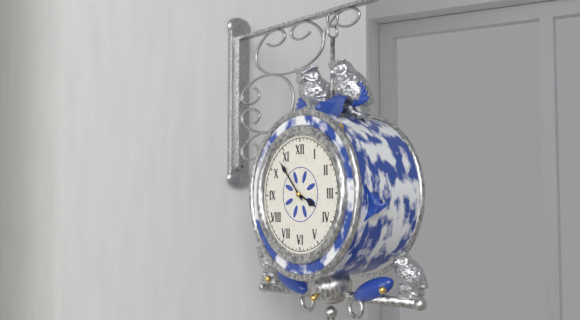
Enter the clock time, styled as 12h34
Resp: 3h53
